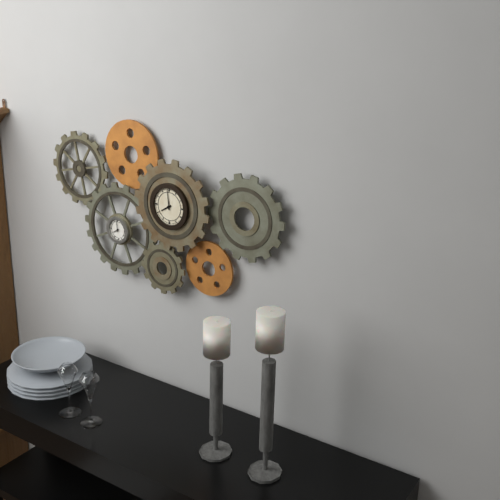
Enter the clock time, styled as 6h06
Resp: 7h59
